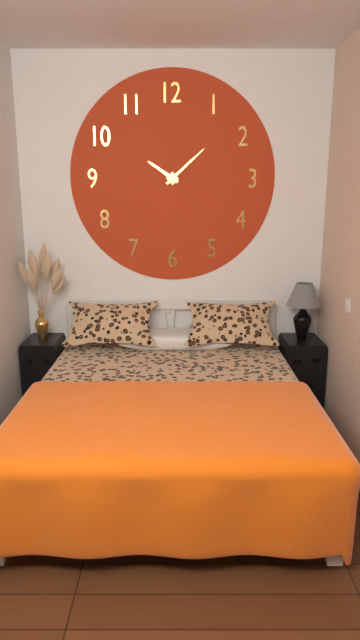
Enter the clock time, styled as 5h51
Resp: 10h08
